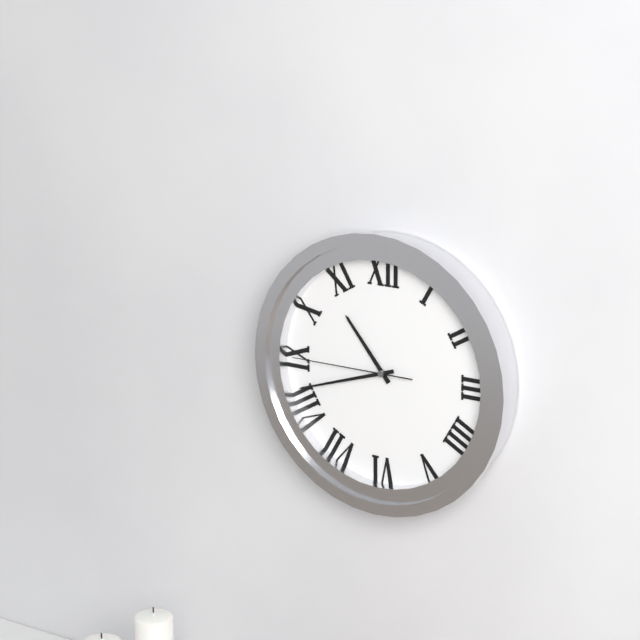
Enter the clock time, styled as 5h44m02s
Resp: 10h42m45s
